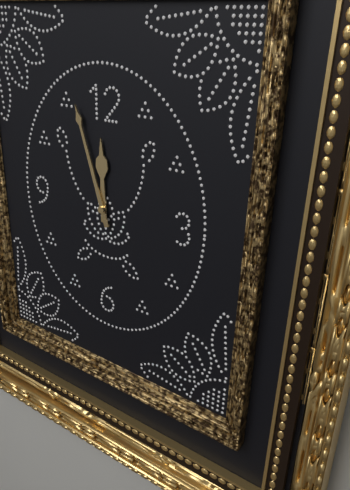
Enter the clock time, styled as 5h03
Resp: 11h57
